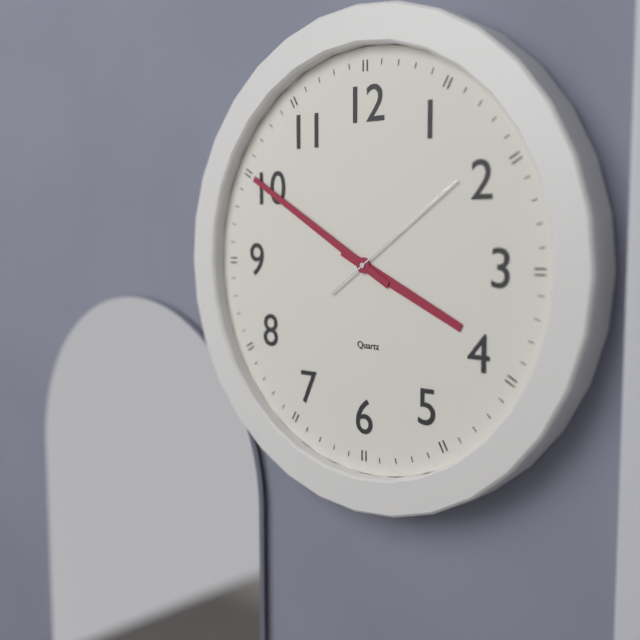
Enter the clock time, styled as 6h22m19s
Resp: 3h50m09s
